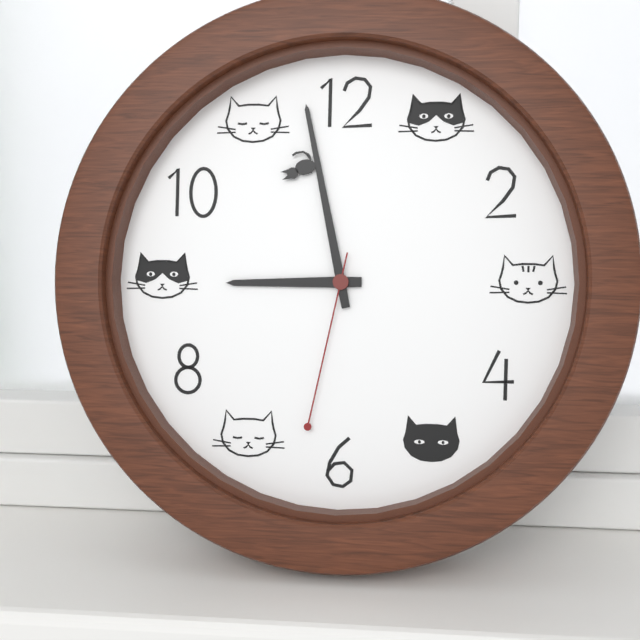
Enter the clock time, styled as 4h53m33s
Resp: 8h58m32s
